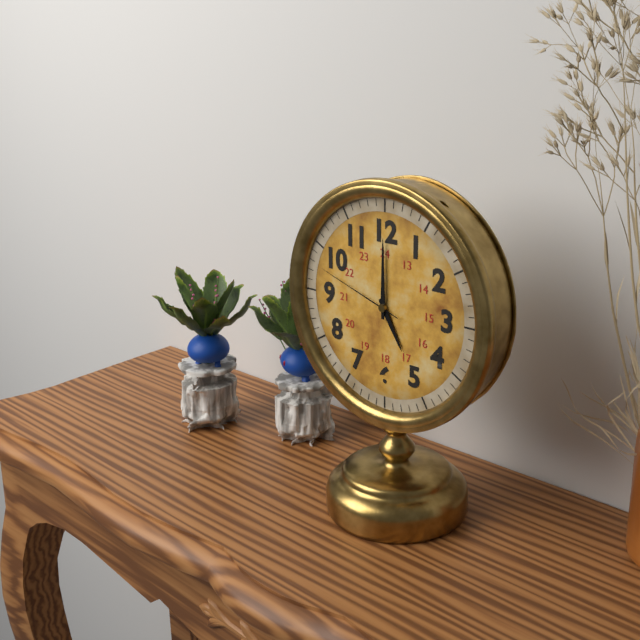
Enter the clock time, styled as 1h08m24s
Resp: 5h00m48s
